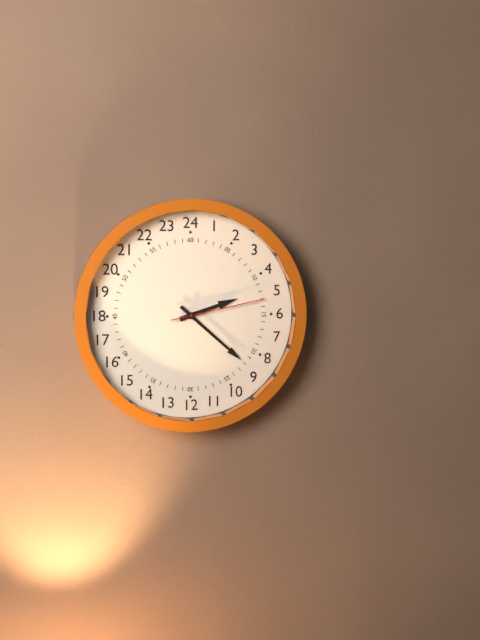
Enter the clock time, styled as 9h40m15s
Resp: 2h22m13s
